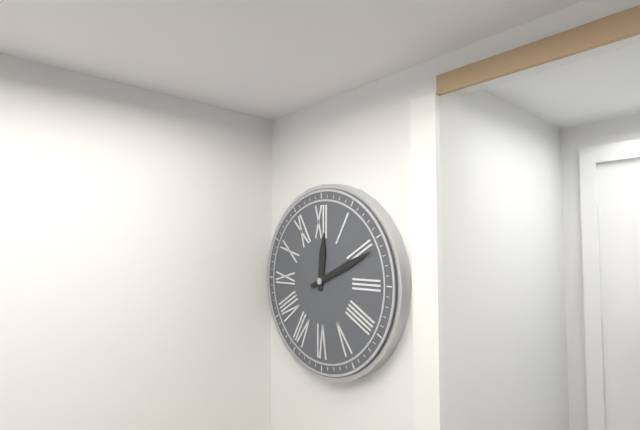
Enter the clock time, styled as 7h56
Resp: 12h11
